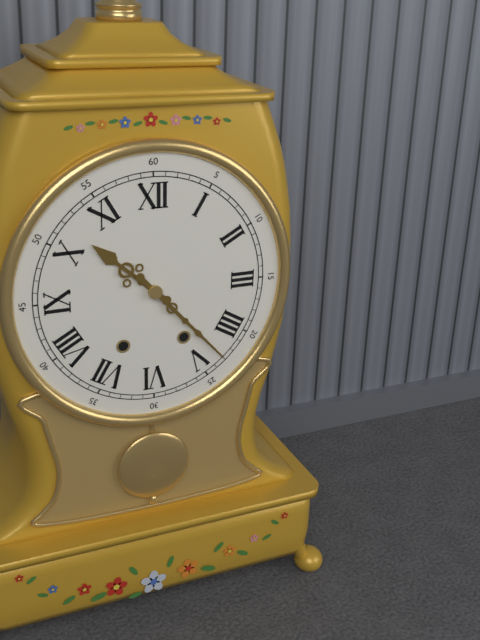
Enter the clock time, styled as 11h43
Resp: 10h23
